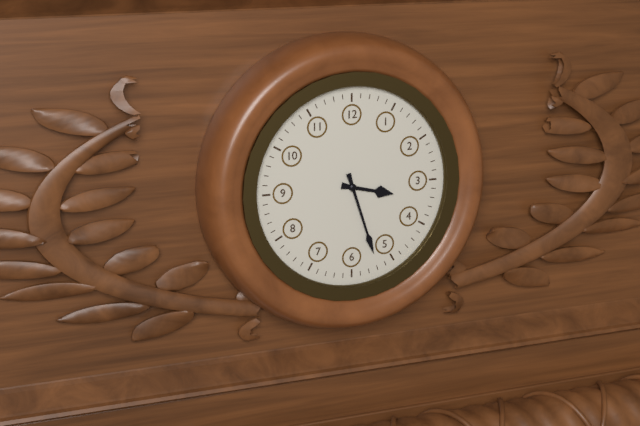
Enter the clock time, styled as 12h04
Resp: 3h27
